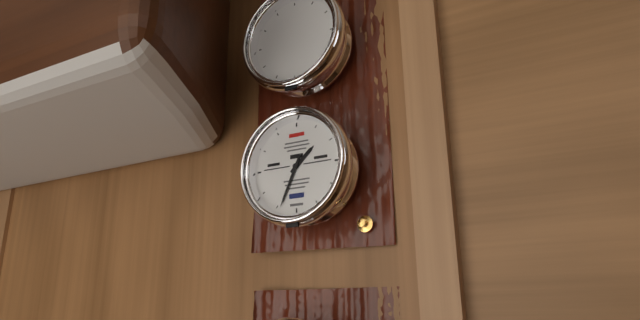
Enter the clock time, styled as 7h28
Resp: 1h34
